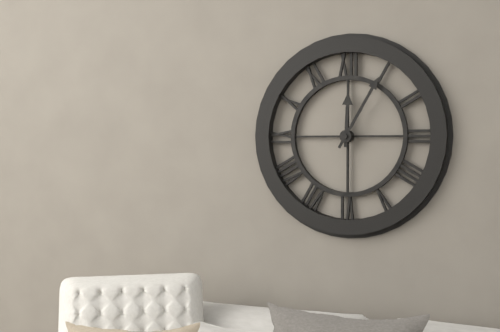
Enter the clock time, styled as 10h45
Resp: 12h05
